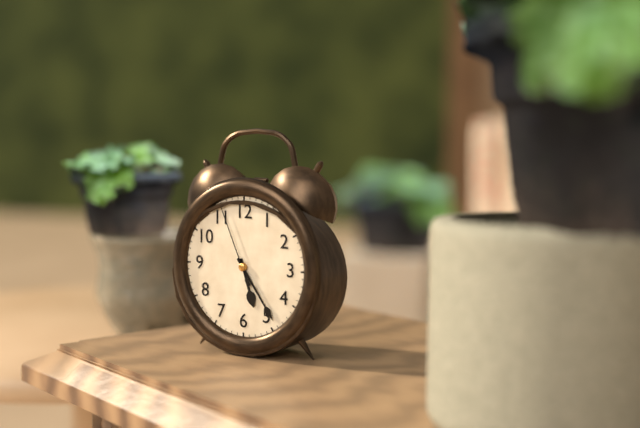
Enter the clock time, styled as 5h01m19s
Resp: 5h24m56s
